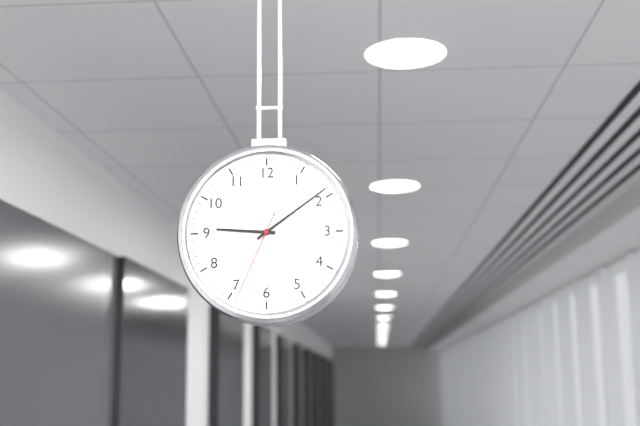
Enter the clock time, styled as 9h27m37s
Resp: 9h09m34s
